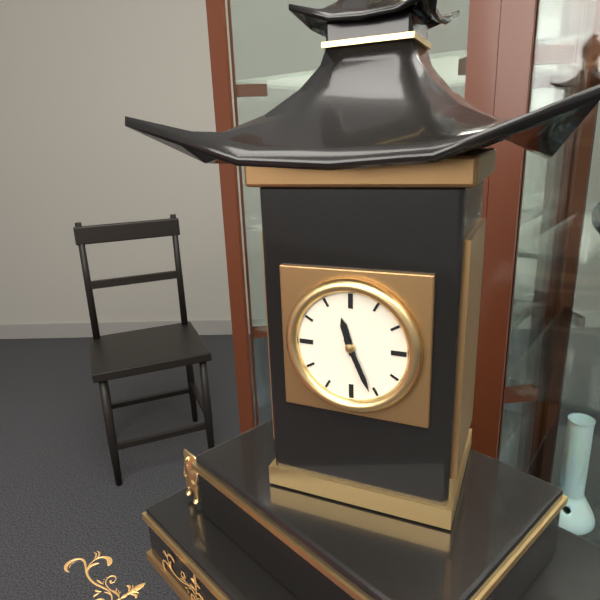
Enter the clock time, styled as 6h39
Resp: 11h26
